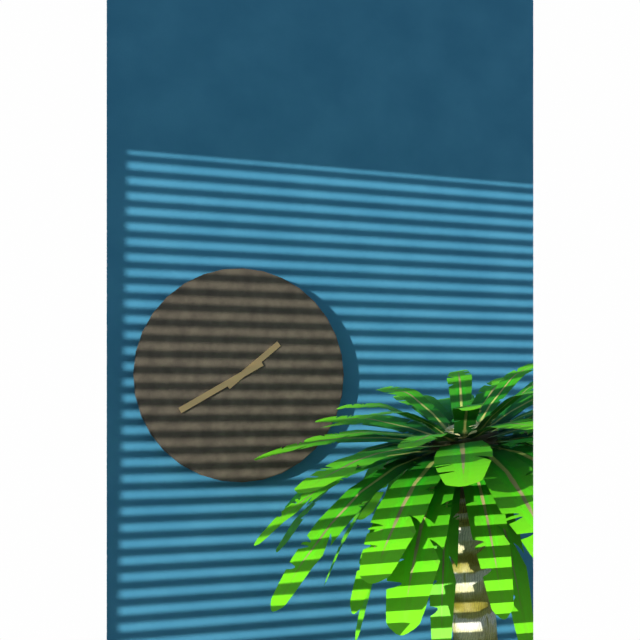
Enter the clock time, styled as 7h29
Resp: 1h40
